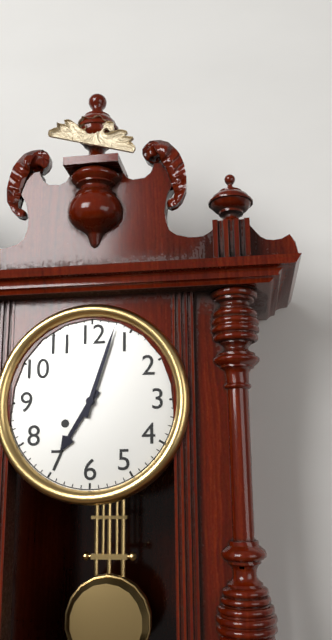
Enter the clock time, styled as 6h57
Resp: 7h03
